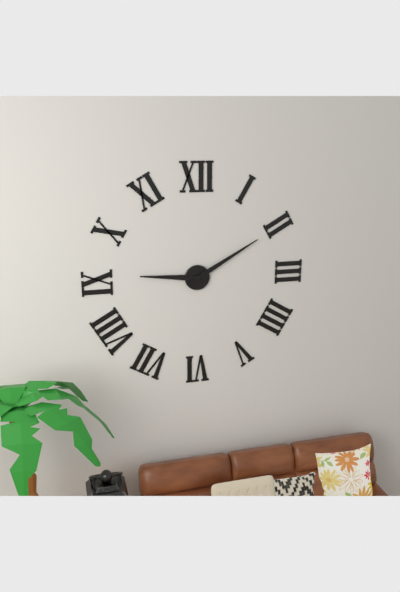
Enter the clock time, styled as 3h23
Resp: 9h10
